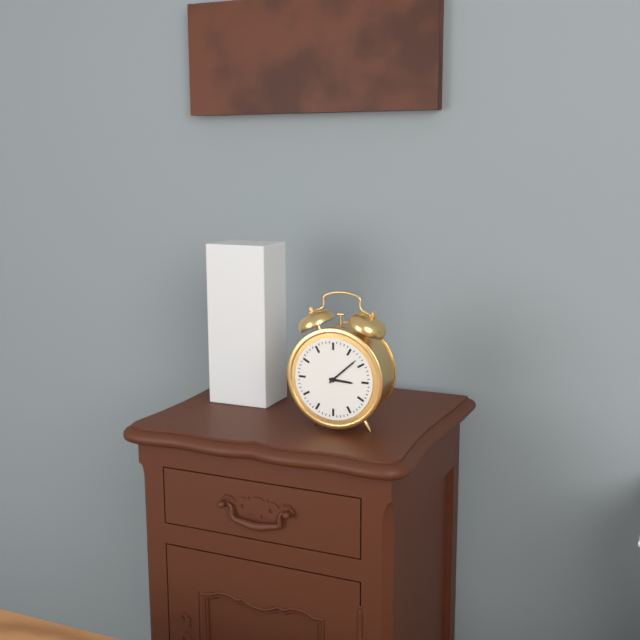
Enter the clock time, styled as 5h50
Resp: 3h08
